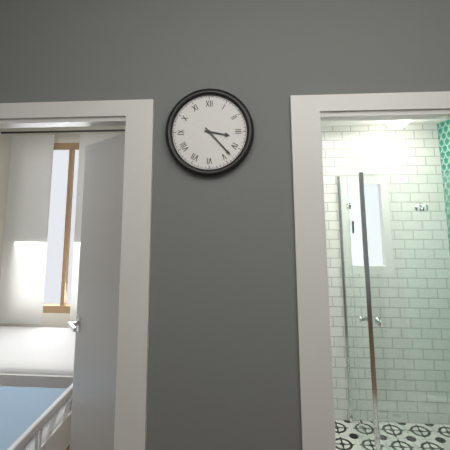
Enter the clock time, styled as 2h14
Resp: 3h23
